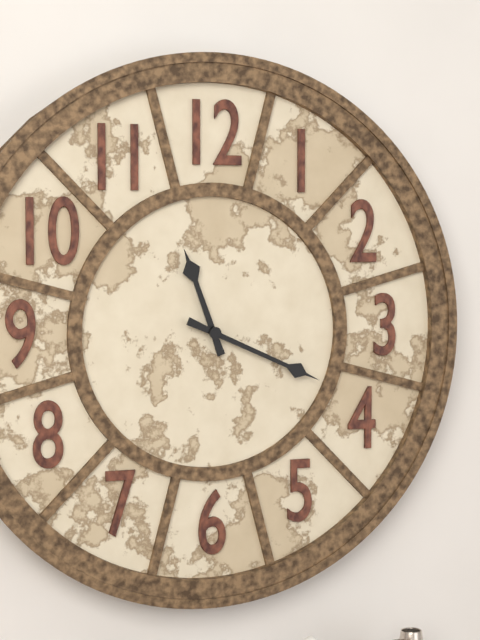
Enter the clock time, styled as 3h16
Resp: 11h19
